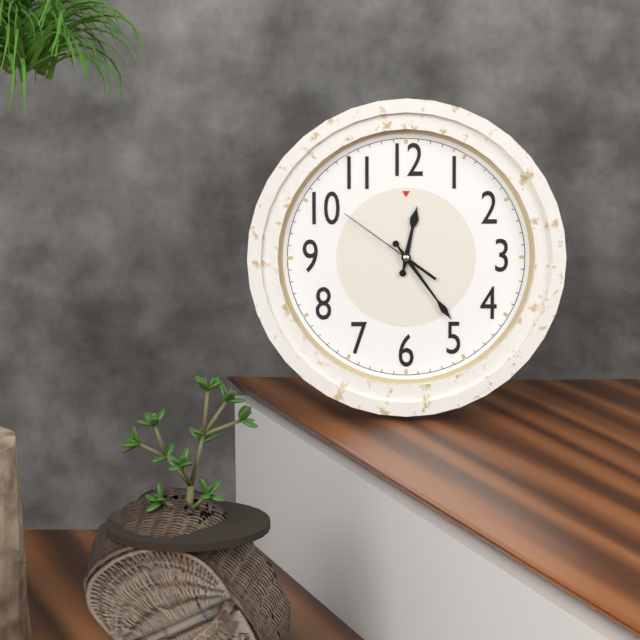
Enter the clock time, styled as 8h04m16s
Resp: 12h24m51s
